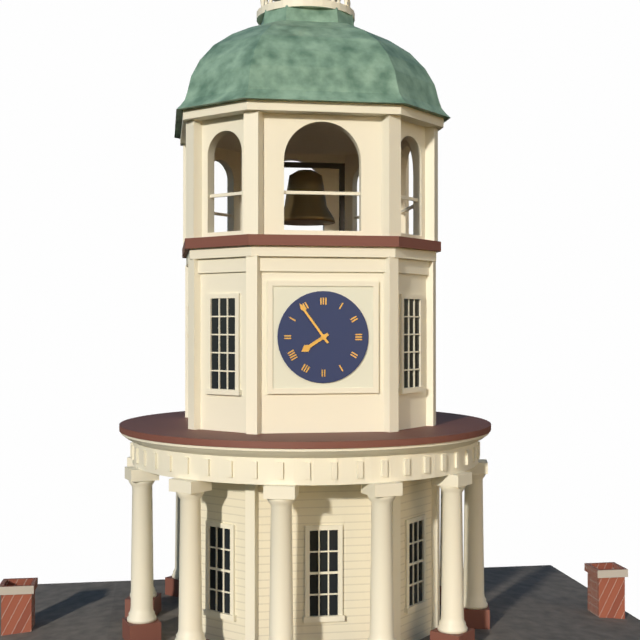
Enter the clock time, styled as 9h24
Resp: 7h54
